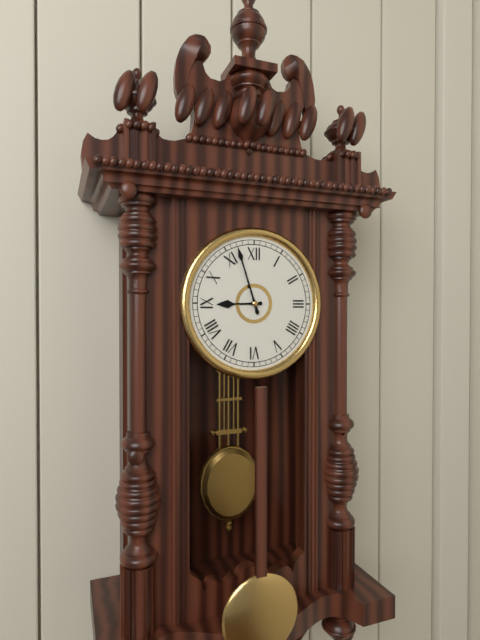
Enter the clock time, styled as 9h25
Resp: 8h57
